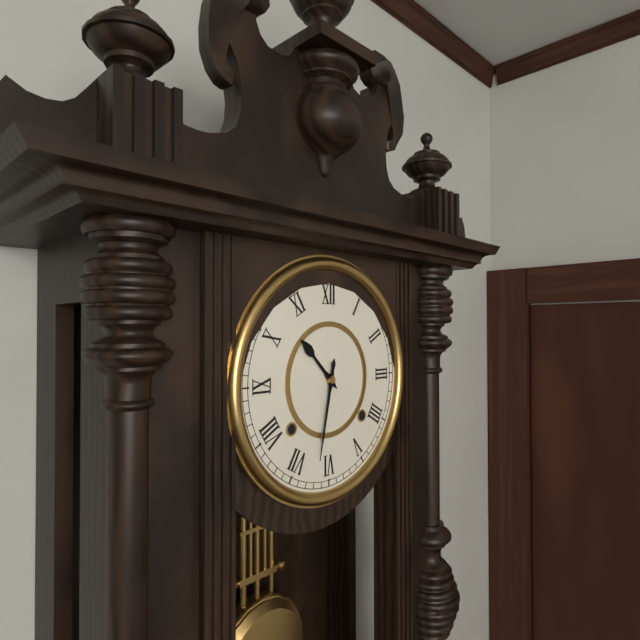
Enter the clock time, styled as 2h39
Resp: 10h32
